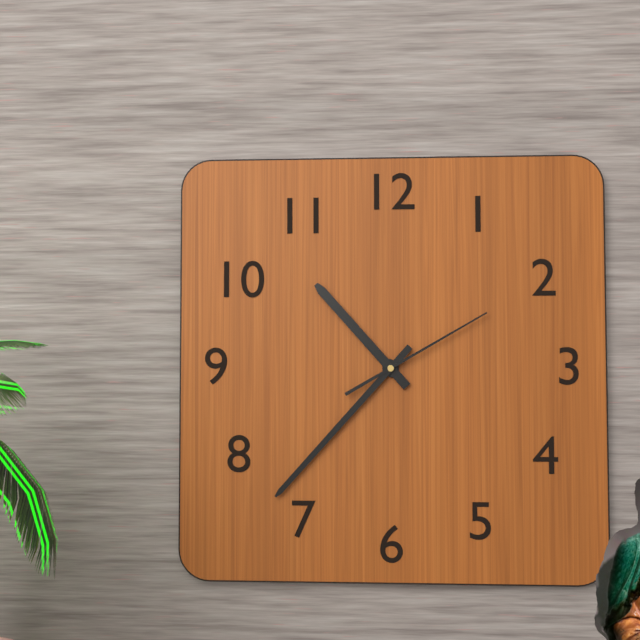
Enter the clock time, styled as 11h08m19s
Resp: 10h37m10s
